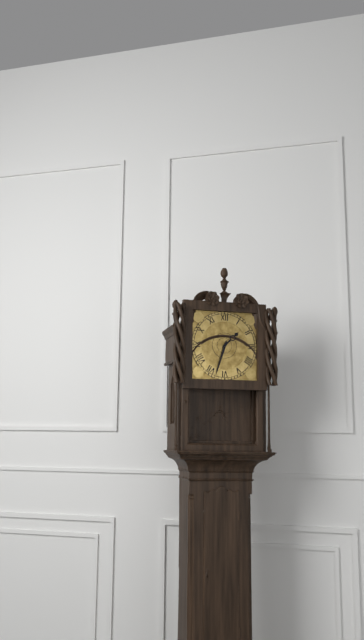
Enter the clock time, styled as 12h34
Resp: 1h33
